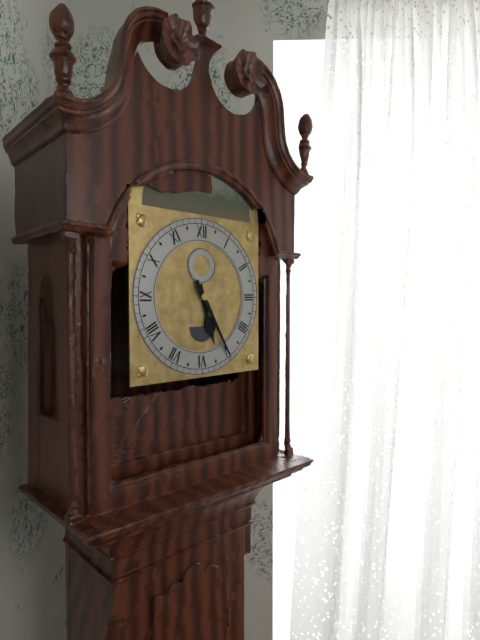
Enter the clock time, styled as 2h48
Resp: 5h25
